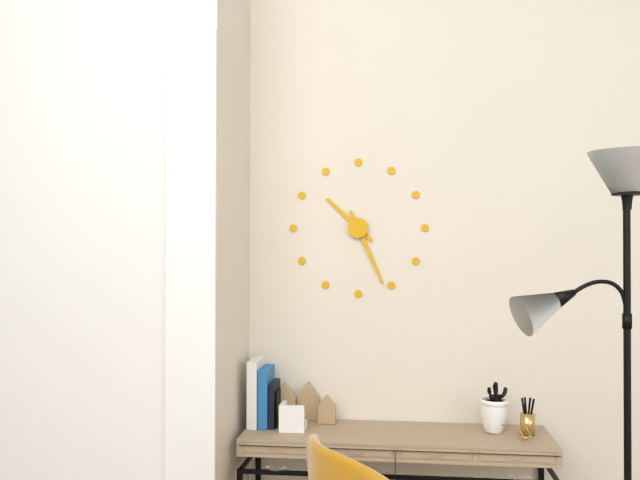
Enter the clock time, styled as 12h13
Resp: 10h26
